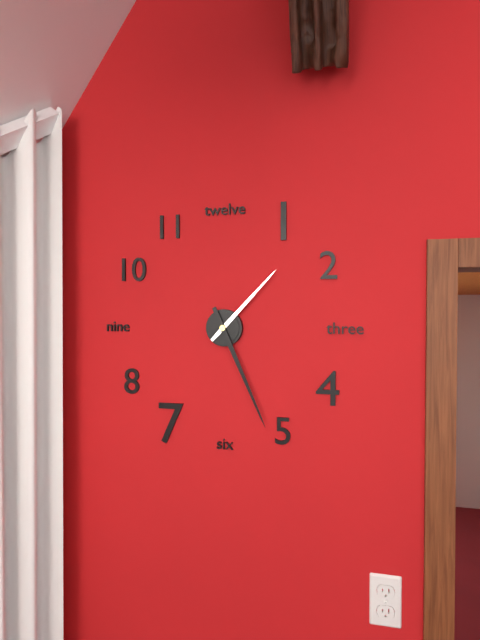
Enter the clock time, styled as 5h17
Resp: 1h26
